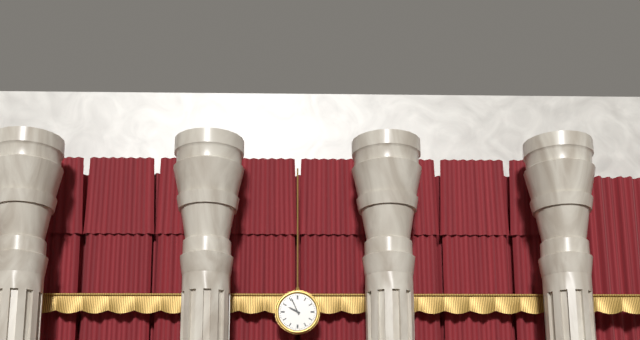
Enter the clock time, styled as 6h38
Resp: 9h56
